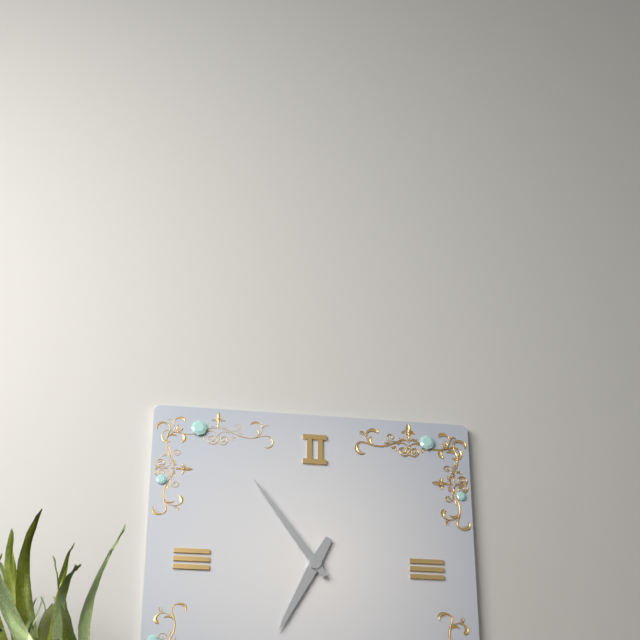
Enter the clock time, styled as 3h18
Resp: 6h54
